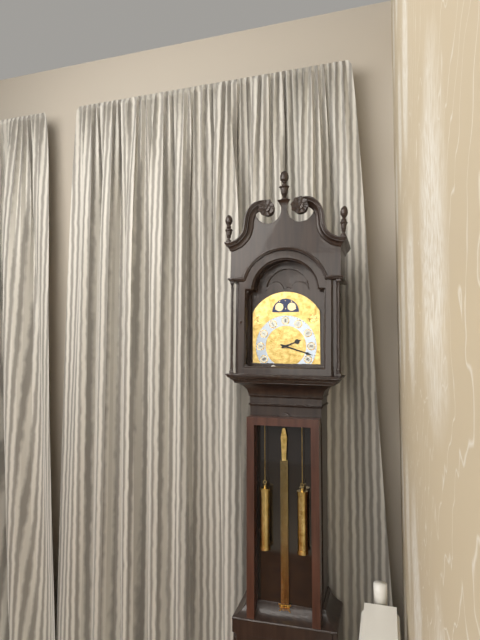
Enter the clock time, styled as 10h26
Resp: 2h18
